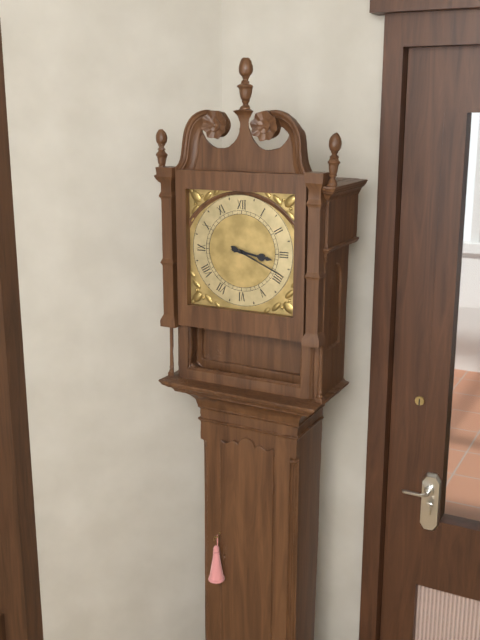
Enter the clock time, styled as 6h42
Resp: 3h19
